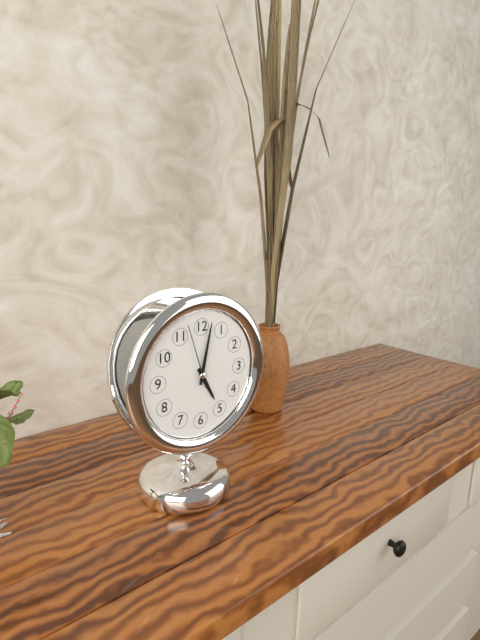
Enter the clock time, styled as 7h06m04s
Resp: 5h02m57s
